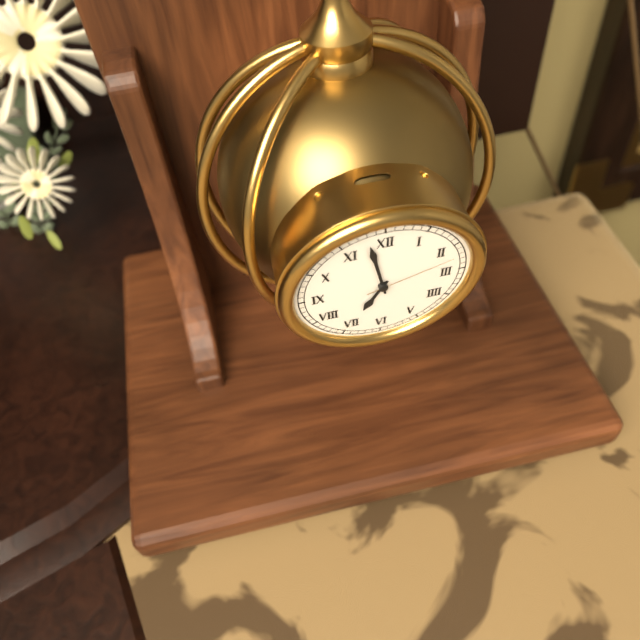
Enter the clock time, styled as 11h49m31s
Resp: 6h58m12s
